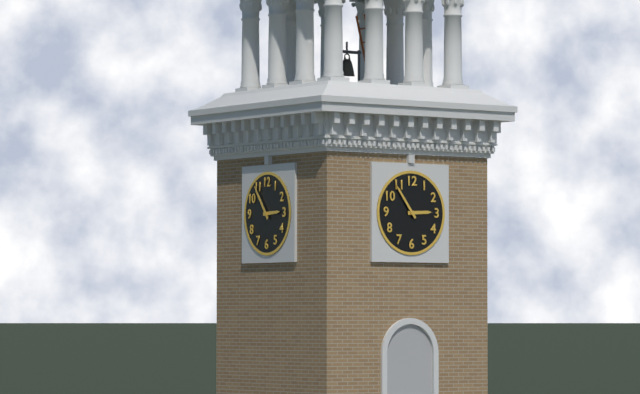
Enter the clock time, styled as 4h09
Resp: 2h54
